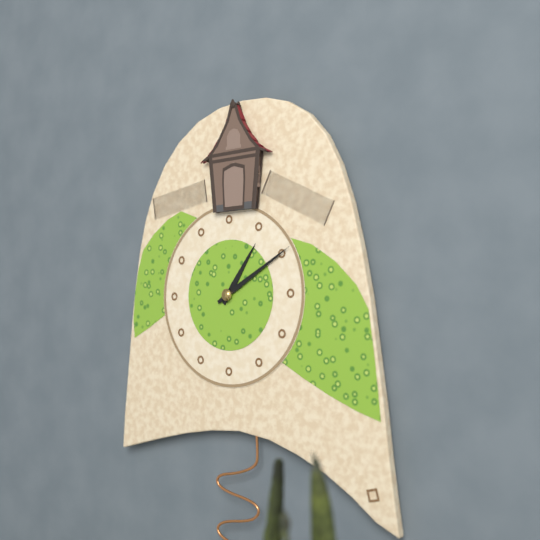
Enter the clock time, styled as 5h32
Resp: 1h10
